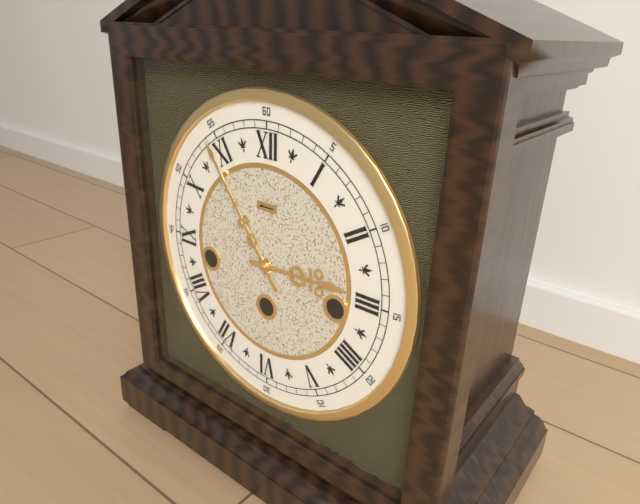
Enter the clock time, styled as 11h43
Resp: 2h54
